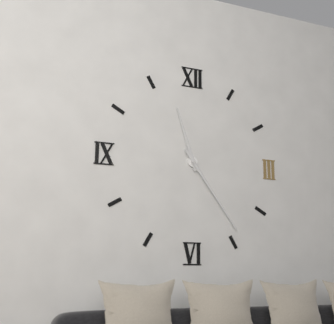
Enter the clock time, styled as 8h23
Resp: 11h24
